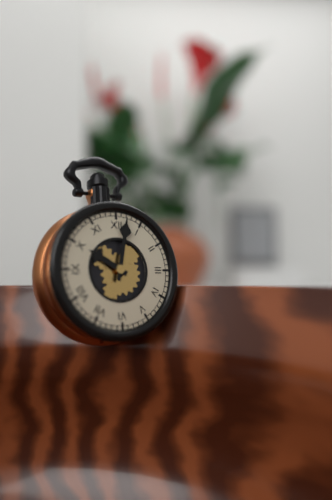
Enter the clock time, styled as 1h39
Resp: 10h02
